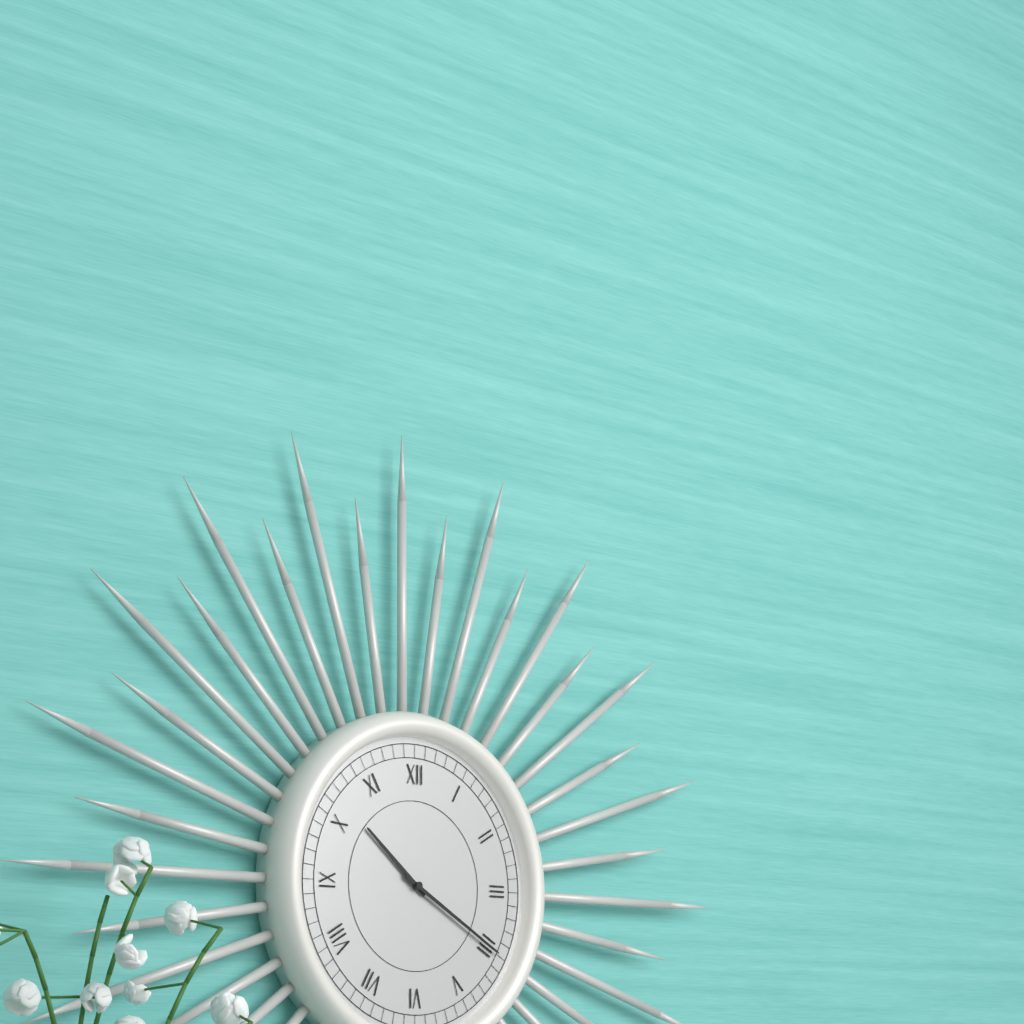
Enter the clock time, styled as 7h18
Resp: 10h20
